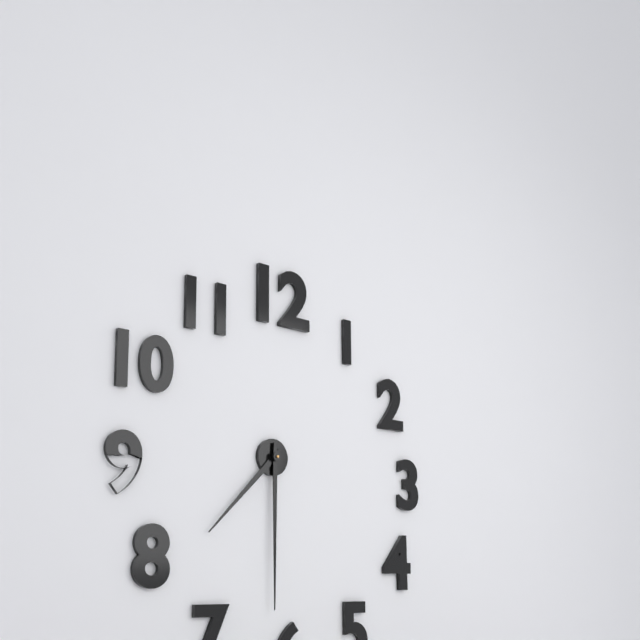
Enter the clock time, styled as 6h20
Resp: 7h30
